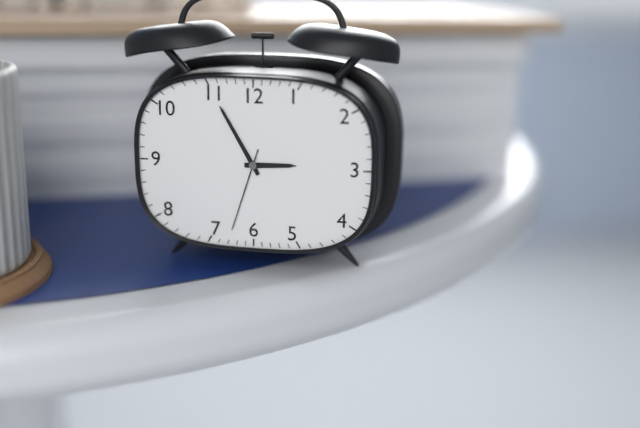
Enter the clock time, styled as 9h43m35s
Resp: 2h55m33s
